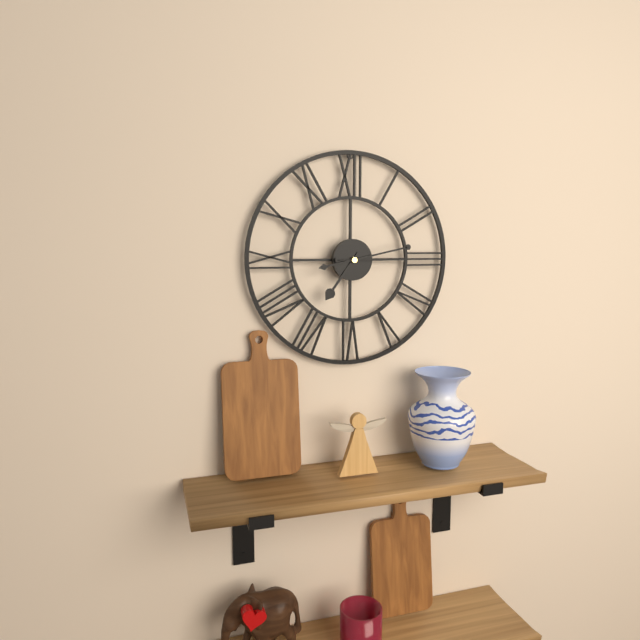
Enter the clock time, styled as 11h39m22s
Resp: 7h13m15s
